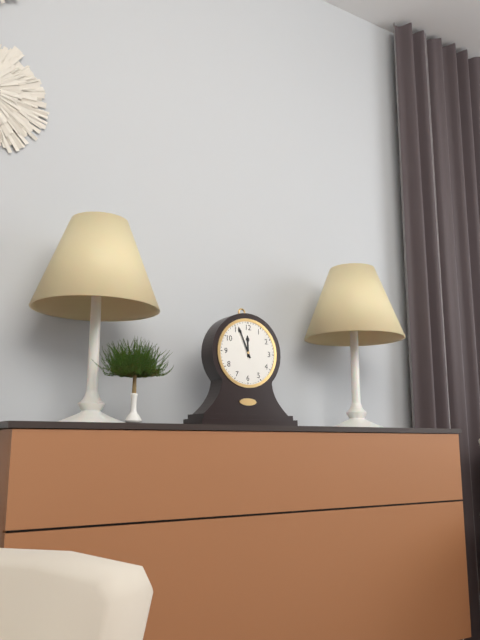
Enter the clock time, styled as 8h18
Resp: 11h56
